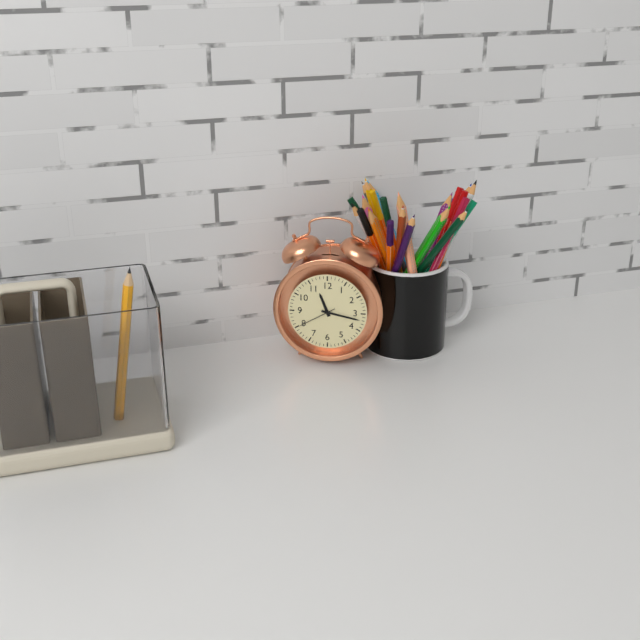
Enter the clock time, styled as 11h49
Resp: 11h17
